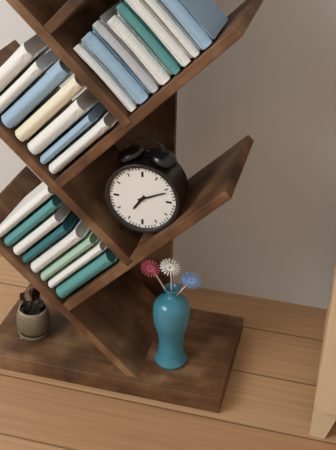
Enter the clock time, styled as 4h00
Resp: 7h11
